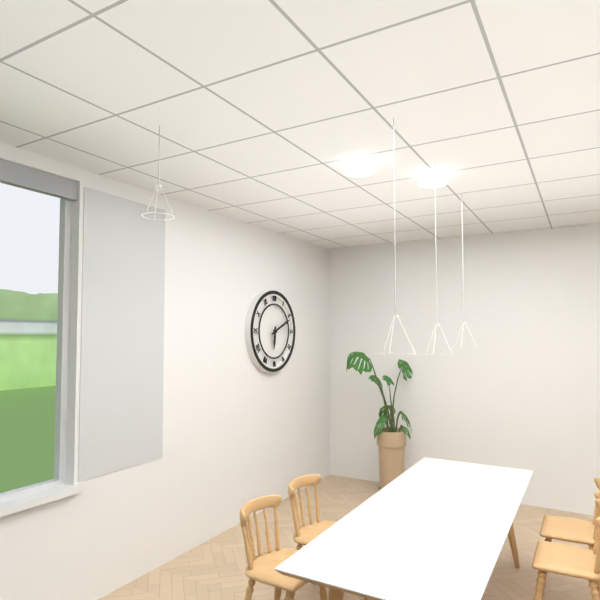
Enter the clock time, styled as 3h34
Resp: 6h11
